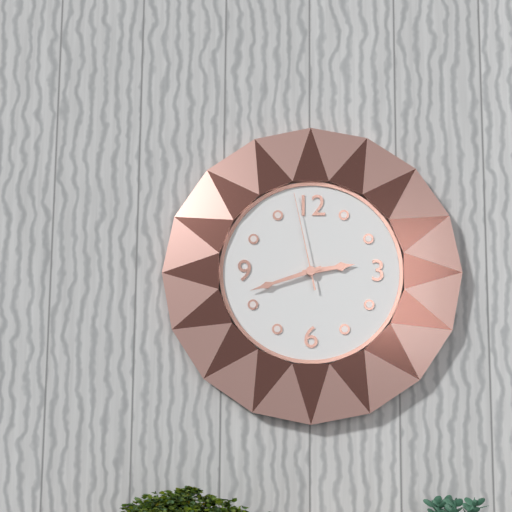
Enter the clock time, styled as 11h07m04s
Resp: 2h42m58s
